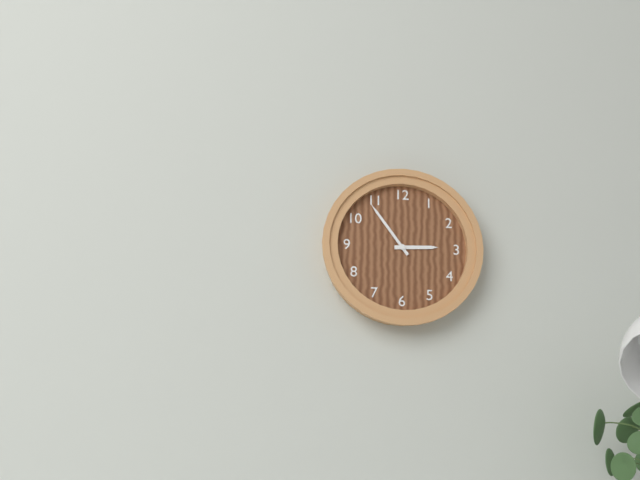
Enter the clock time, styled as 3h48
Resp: 2h54
